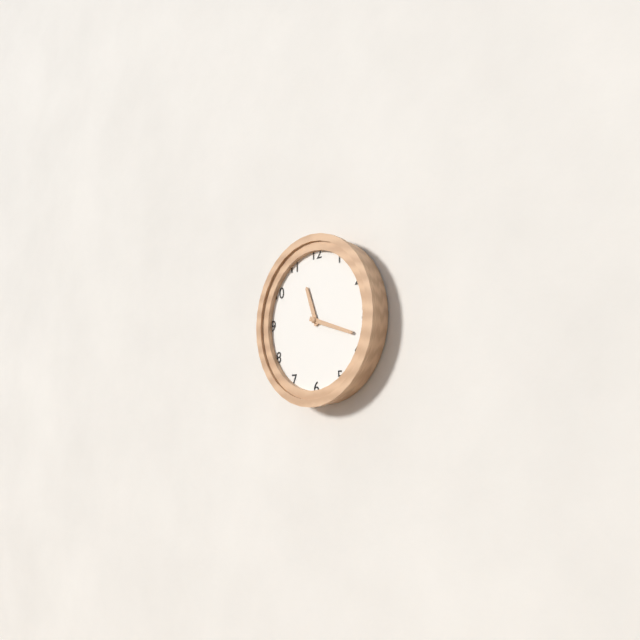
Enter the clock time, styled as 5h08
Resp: 11h18
